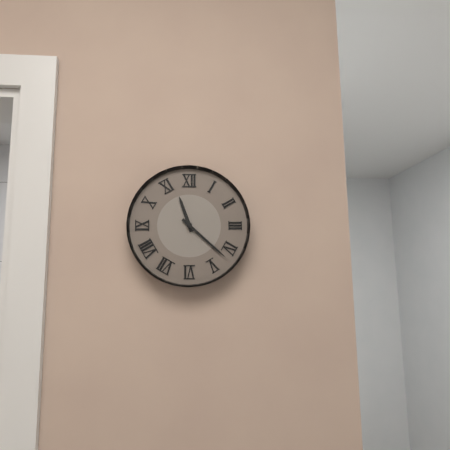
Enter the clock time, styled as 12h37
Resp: 11h22
